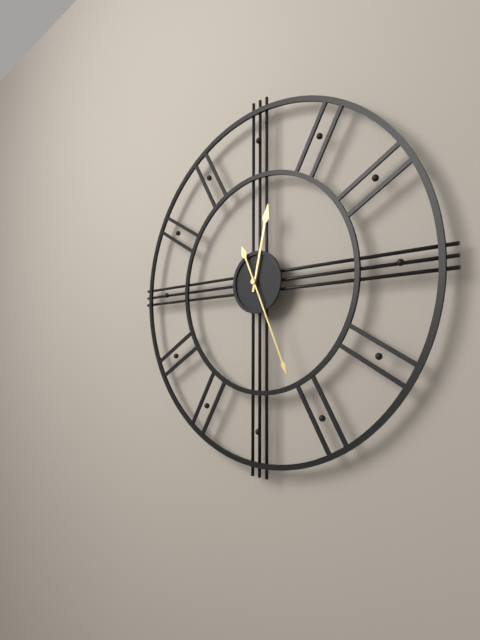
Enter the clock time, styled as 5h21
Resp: 12h26
